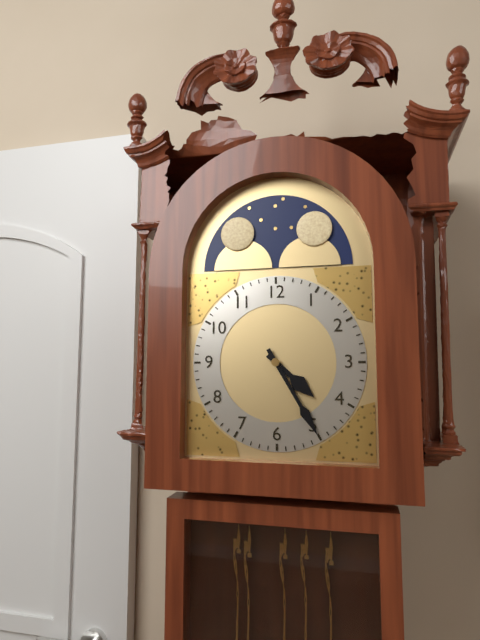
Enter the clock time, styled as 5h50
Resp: 4h25
